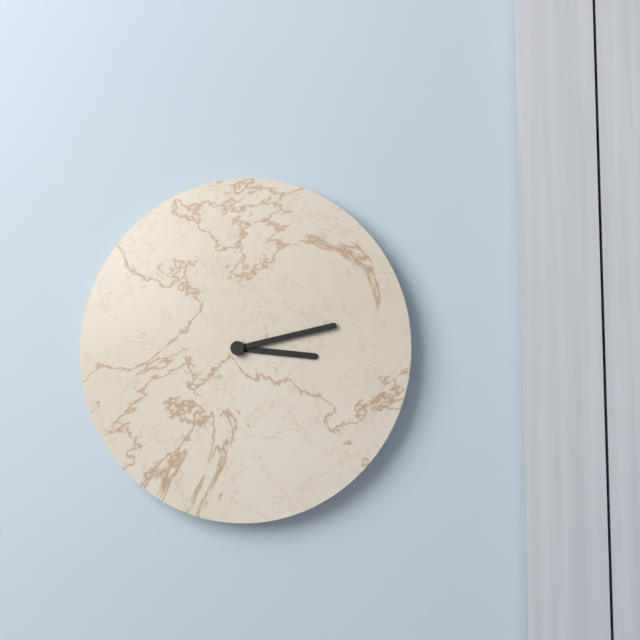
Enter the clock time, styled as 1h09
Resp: 3h13
